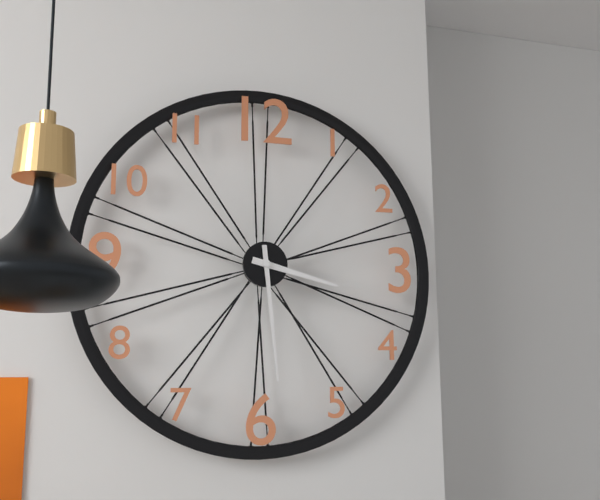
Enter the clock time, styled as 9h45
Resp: 3h29
